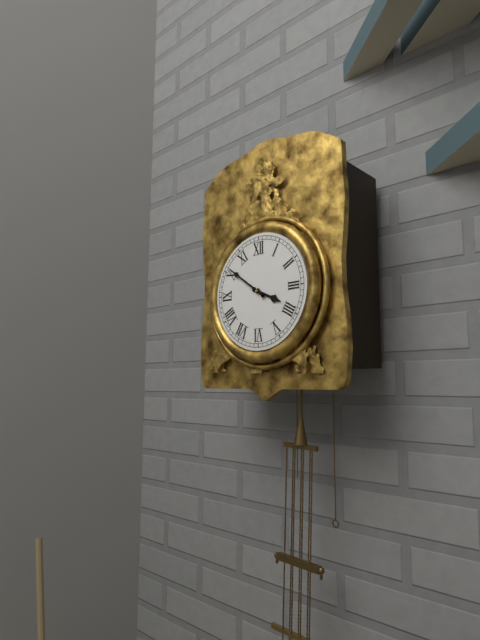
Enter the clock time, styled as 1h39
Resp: 3h51
